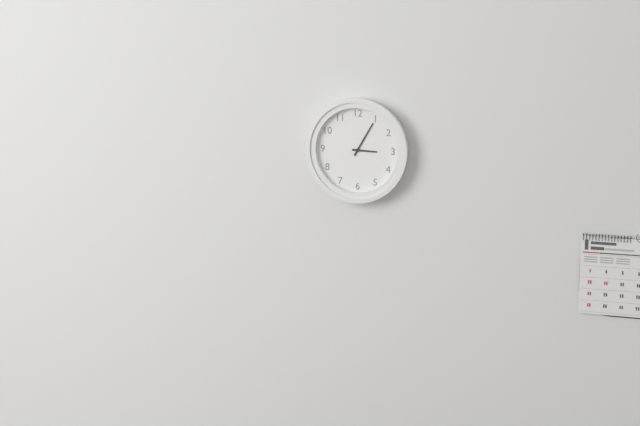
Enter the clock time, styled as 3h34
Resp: 3h05
